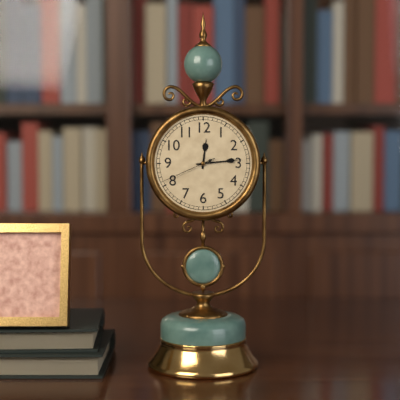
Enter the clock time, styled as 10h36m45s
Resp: 12h14m41s
